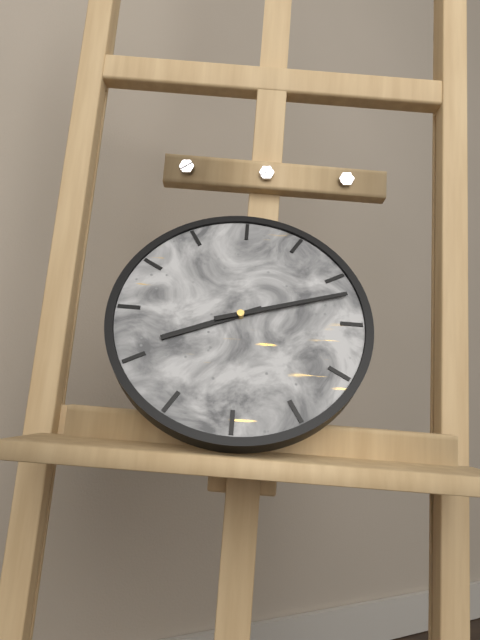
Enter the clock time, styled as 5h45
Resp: 8h12
